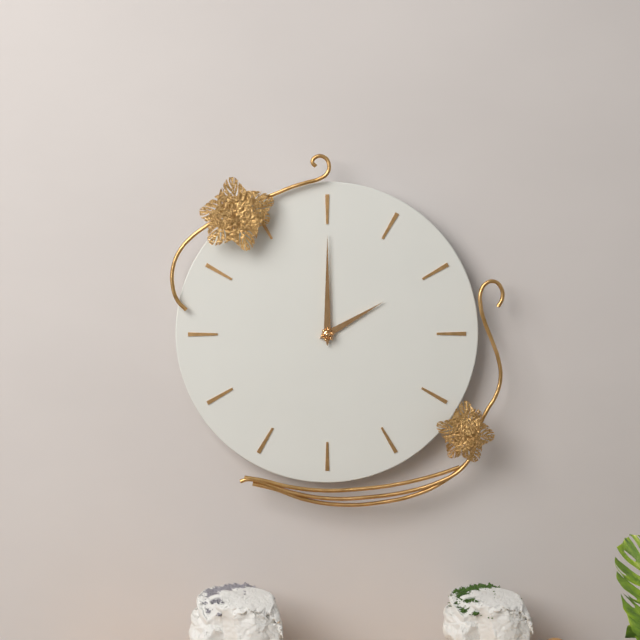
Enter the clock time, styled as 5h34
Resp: 2h00
